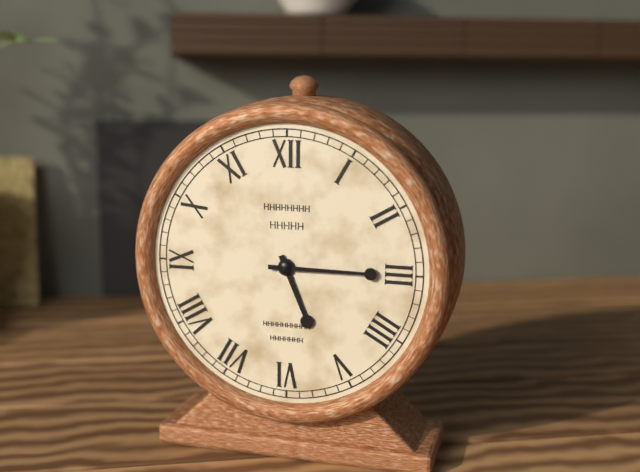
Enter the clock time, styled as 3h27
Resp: 5h15
